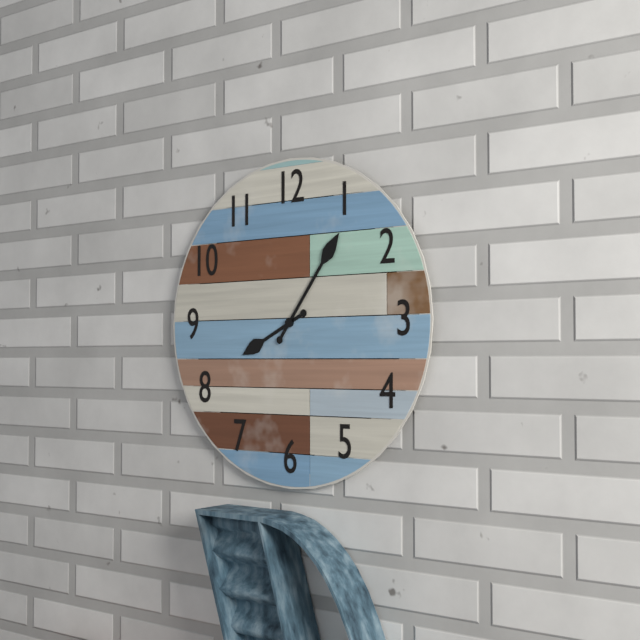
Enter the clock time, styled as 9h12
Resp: 8h06
